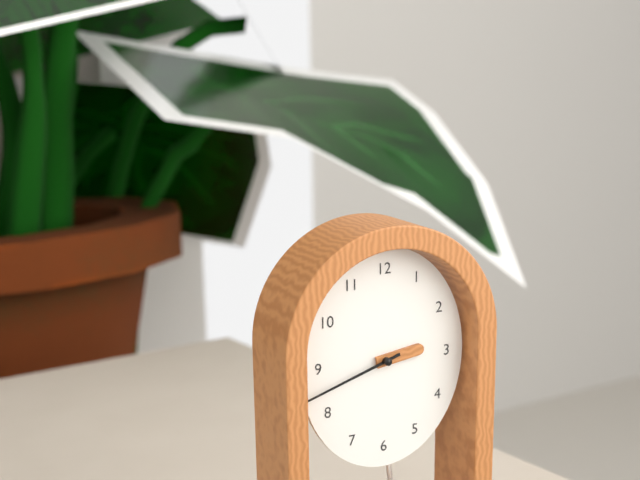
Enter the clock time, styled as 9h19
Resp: 2h42
